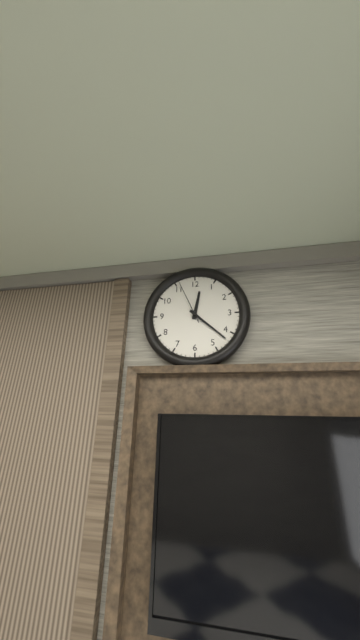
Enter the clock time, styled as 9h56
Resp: 12h22
